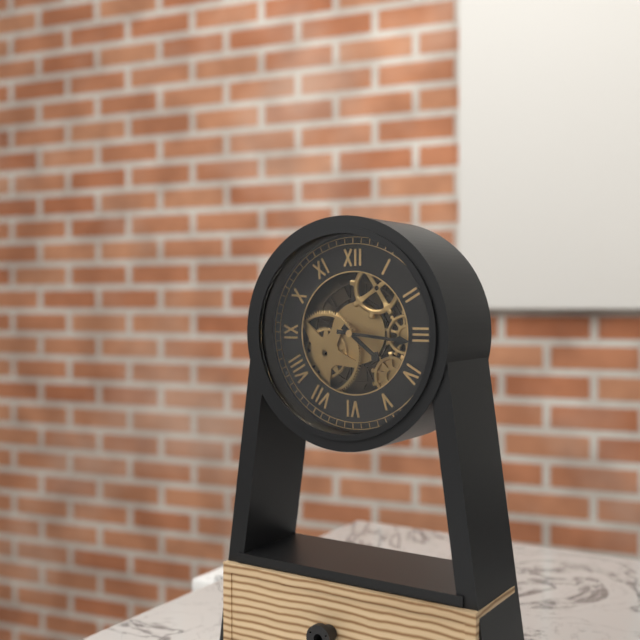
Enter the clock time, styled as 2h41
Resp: 4h16
